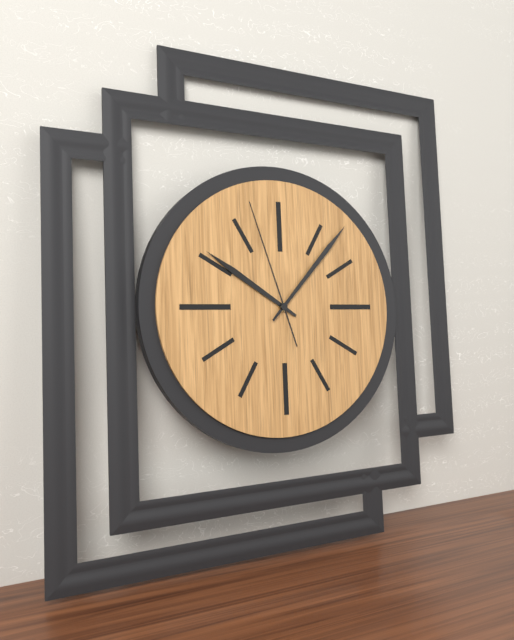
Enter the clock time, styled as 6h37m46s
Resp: 10h07m57s
